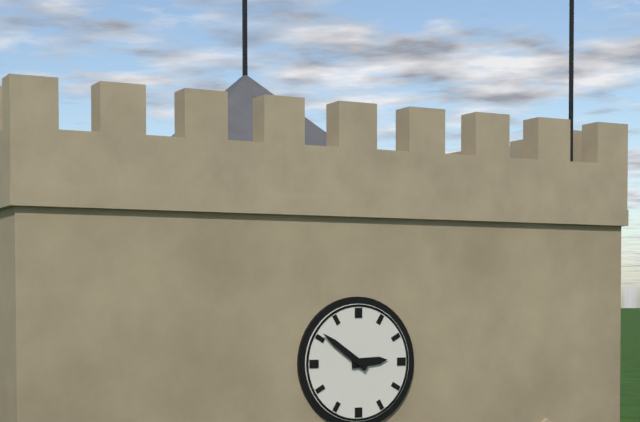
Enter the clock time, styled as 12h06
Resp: 2h51
